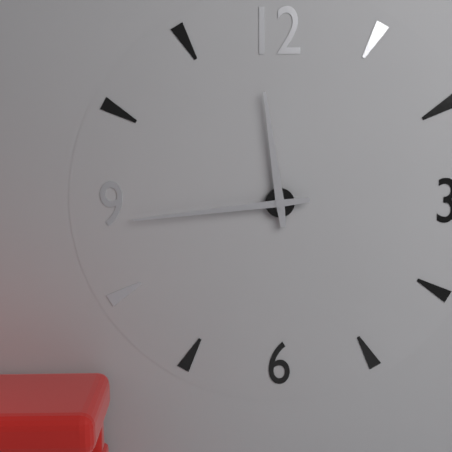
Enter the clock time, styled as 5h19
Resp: 11h44
